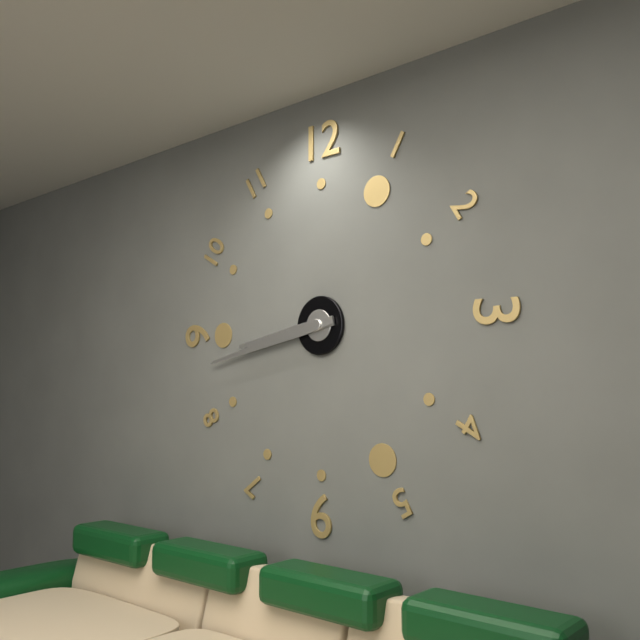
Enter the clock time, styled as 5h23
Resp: 8h43
